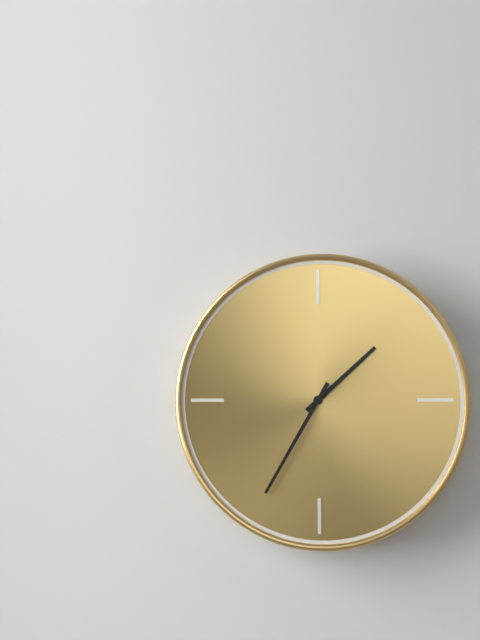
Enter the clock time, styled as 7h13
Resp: 1h35
